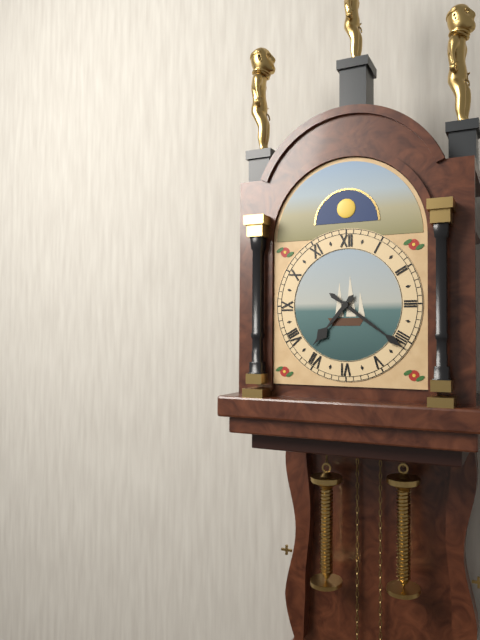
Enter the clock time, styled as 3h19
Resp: 7h21
